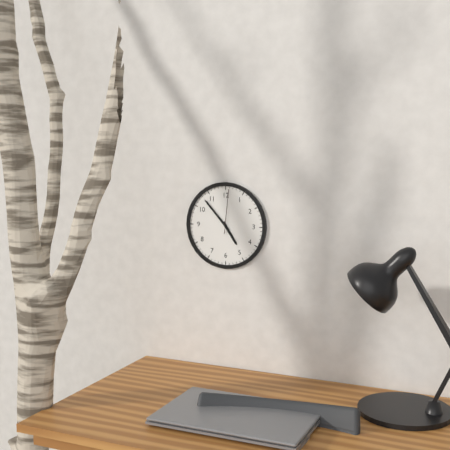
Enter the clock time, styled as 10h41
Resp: 4h53
